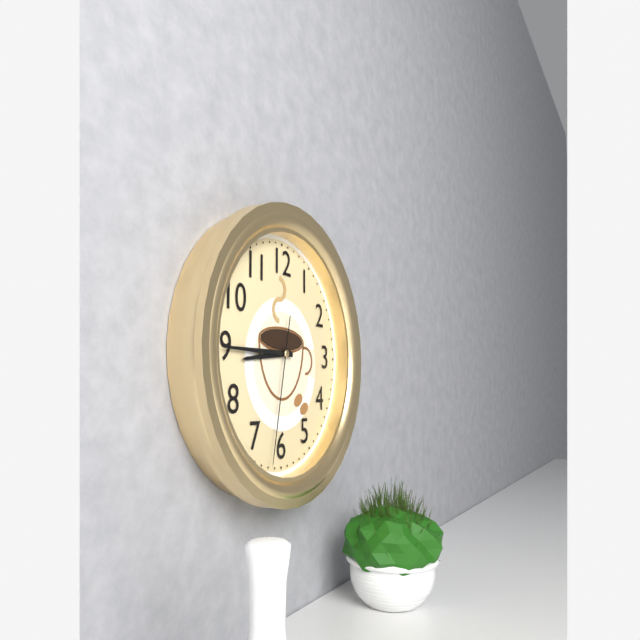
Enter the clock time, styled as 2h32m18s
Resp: 8h45m32s
